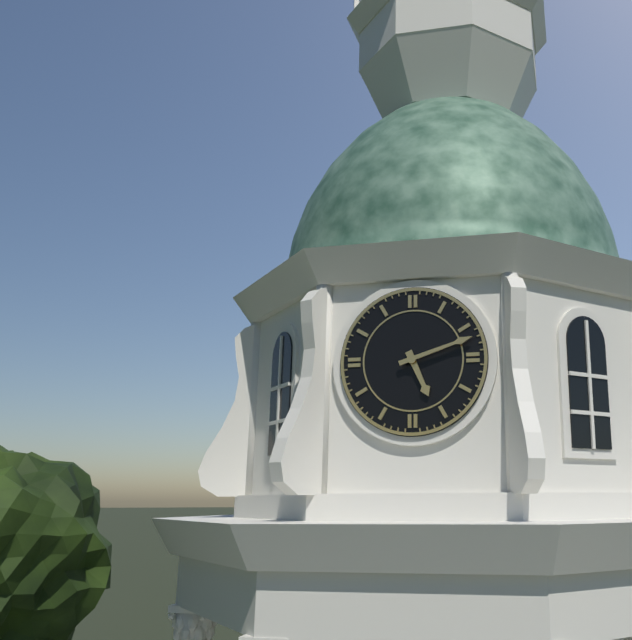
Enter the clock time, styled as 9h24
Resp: 5h12
